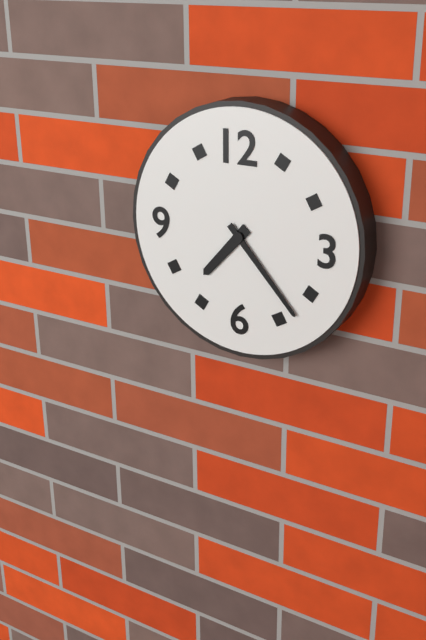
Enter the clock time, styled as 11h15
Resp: 7h23
